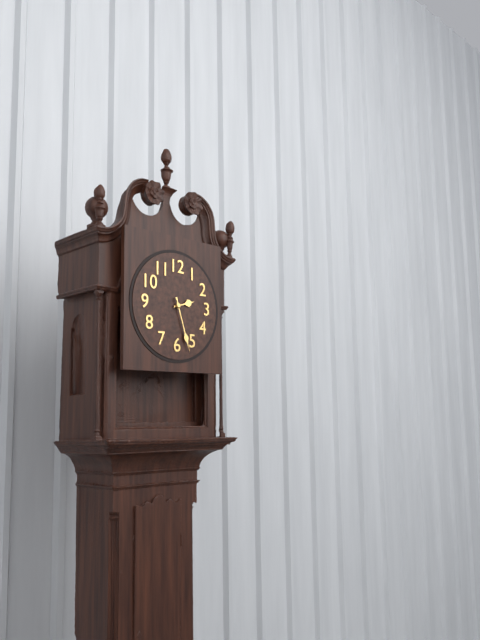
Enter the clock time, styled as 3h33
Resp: 2h27
